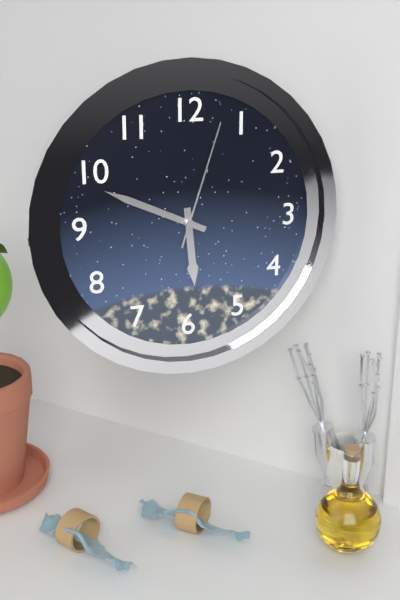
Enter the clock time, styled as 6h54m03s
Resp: 5h49m03s
